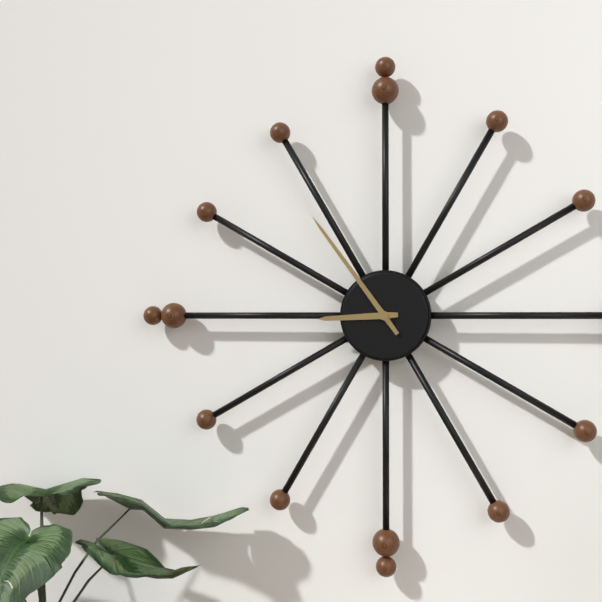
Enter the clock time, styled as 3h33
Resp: 8h54
